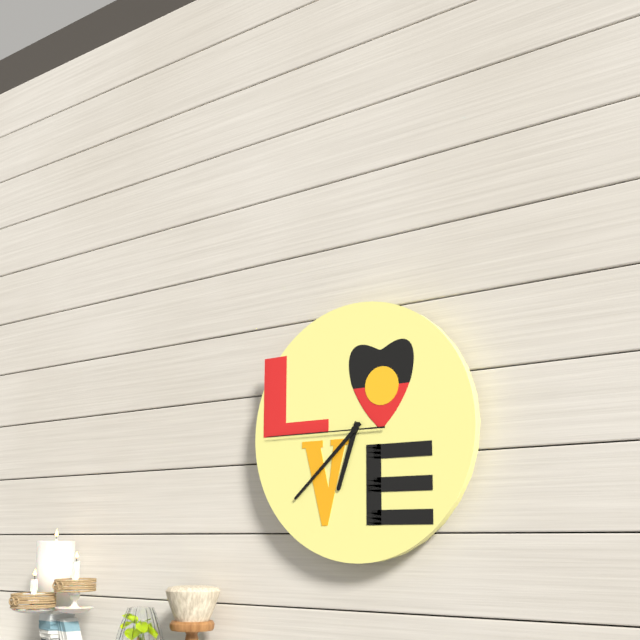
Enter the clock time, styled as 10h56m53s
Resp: 6h38m45s
